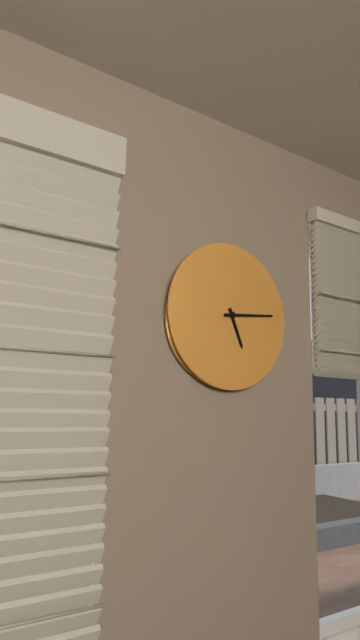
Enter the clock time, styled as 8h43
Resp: 5h14
